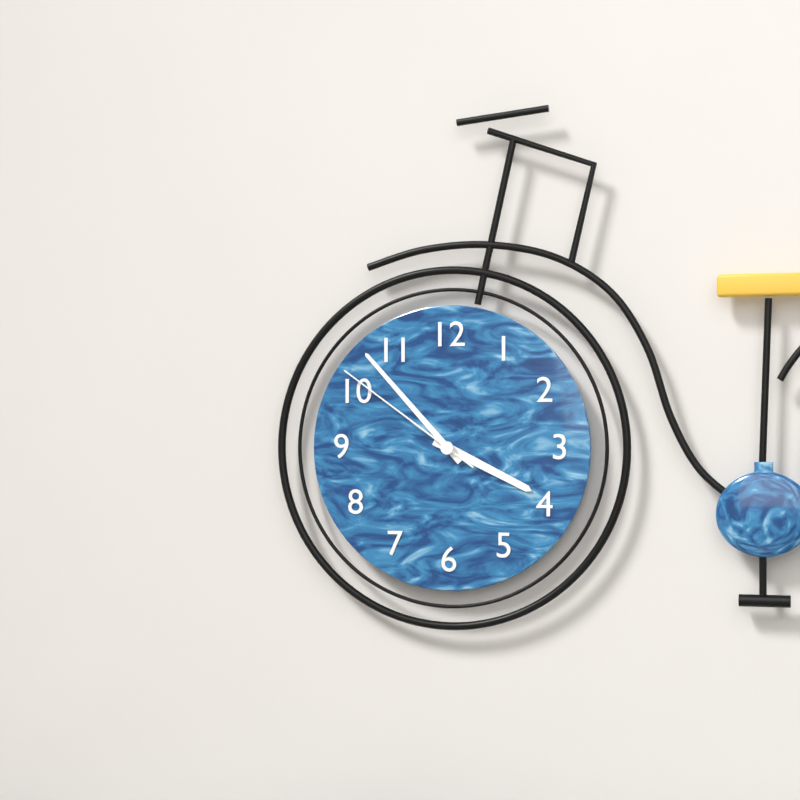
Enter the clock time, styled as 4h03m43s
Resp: 3h53m51s
